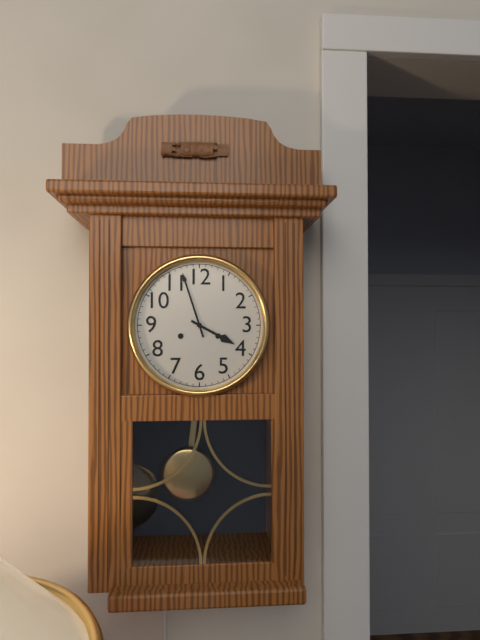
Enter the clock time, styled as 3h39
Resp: 3h57
